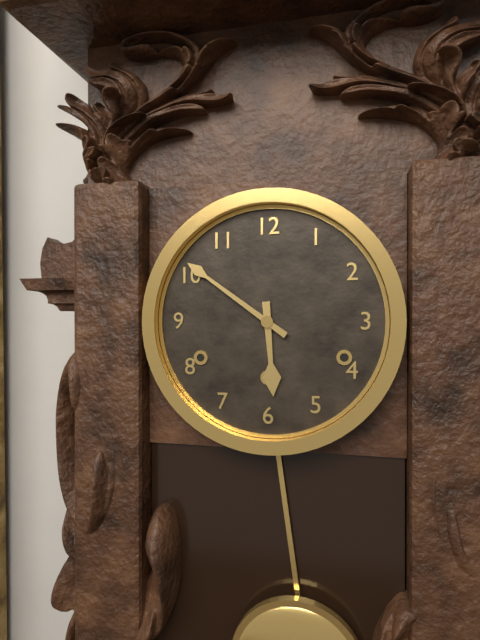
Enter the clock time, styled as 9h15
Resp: 5h51
